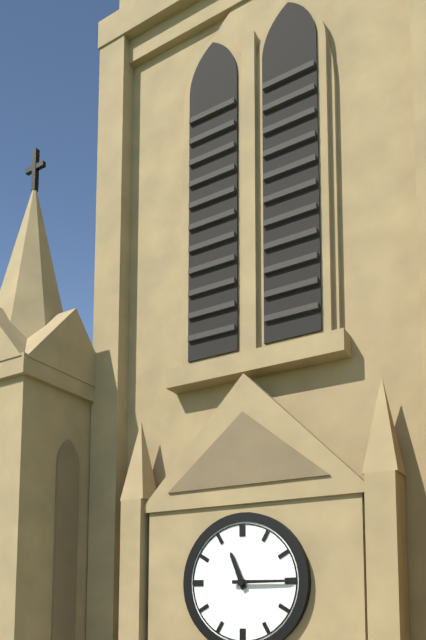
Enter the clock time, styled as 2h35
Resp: 11h15
